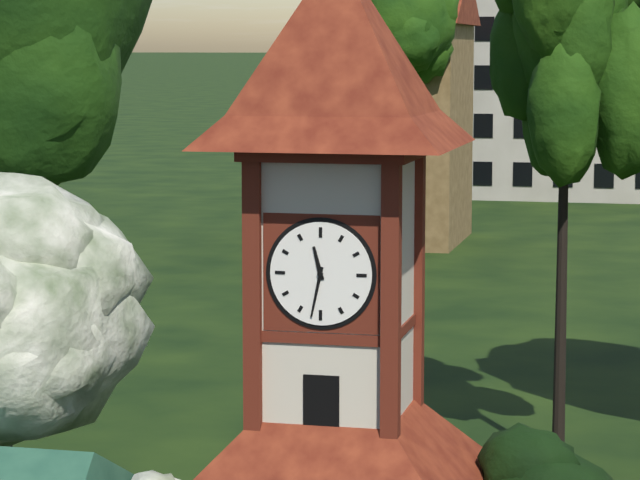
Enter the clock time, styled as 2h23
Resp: 11h32
